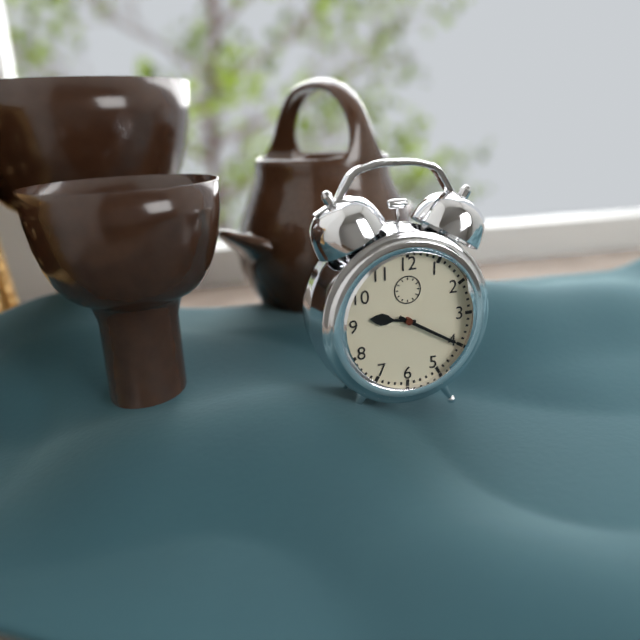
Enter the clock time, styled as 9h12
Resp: 9h20
